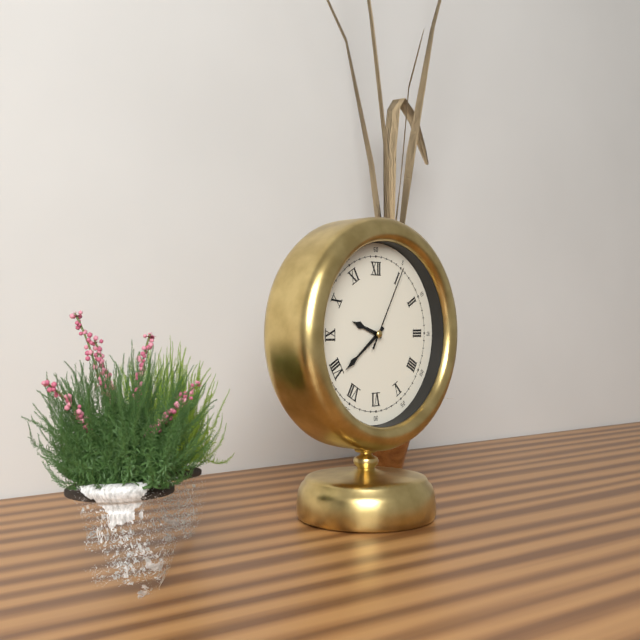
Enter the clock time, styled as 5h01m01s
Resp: 9h39m05s
